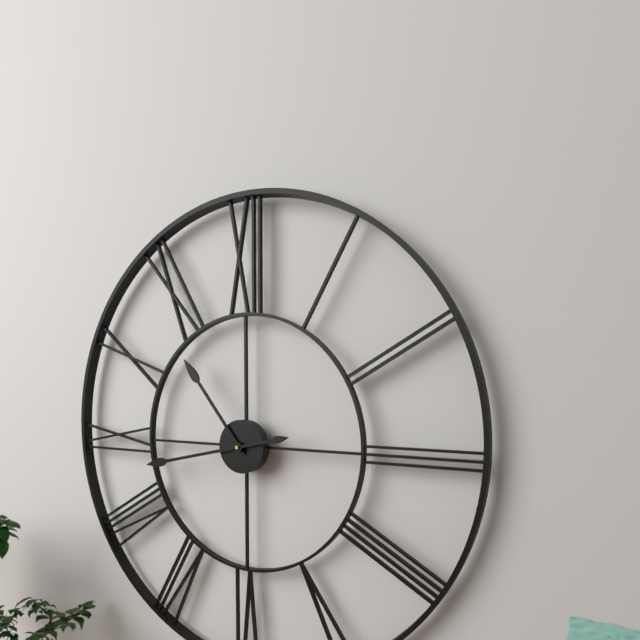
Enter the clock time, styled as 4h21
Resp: 10h43
